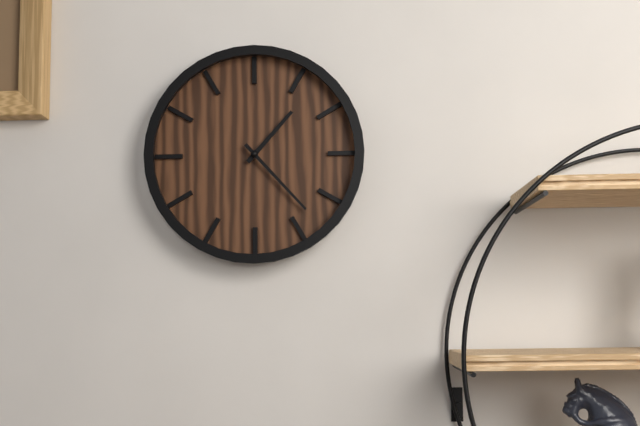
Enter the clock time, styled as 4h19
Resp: 1h23
